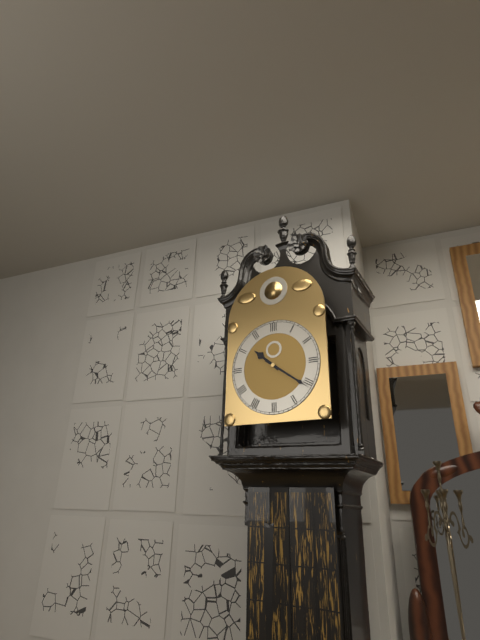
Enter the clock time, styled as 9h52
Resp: 10h21
